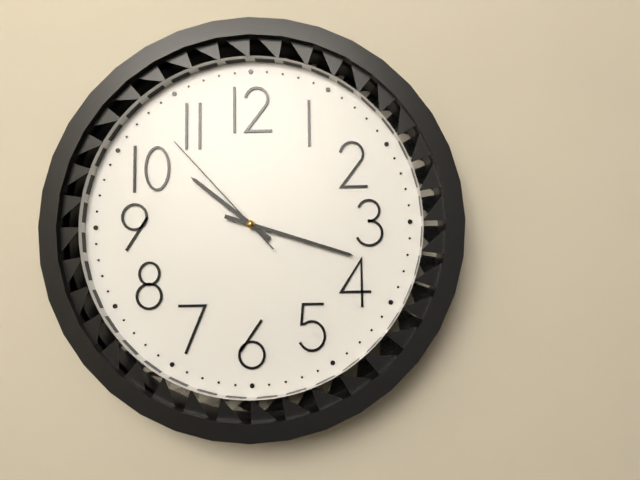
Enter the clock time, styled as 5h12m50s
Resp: 10h18m53s
